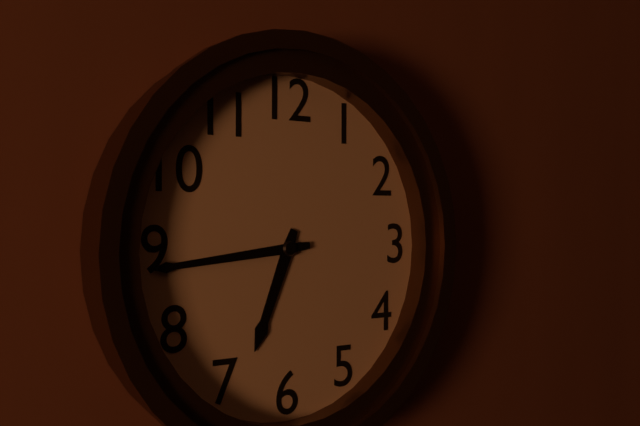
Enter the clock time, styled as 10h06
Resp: 6h44
